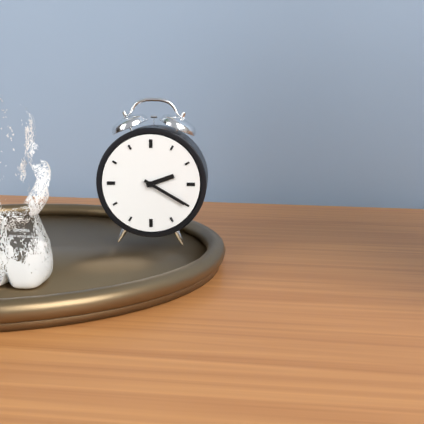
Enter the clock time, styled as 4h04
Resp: 2h20
